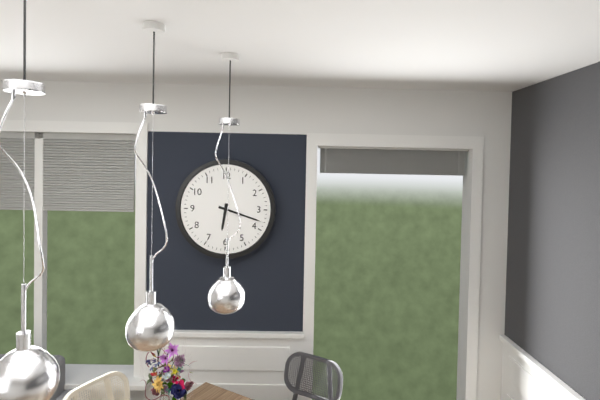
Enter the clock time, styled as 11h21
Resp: 6h18
